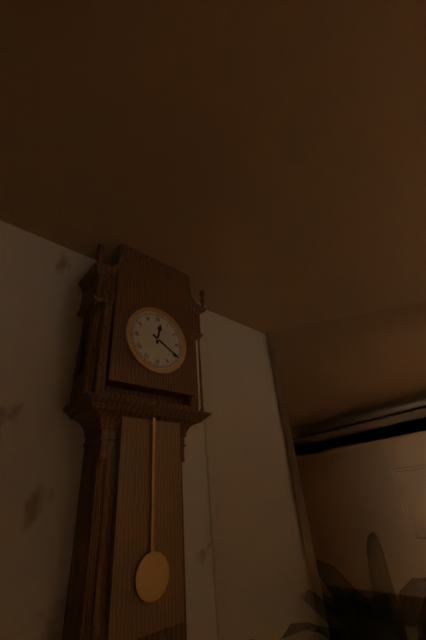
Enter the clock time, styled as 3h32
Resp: 12h20
